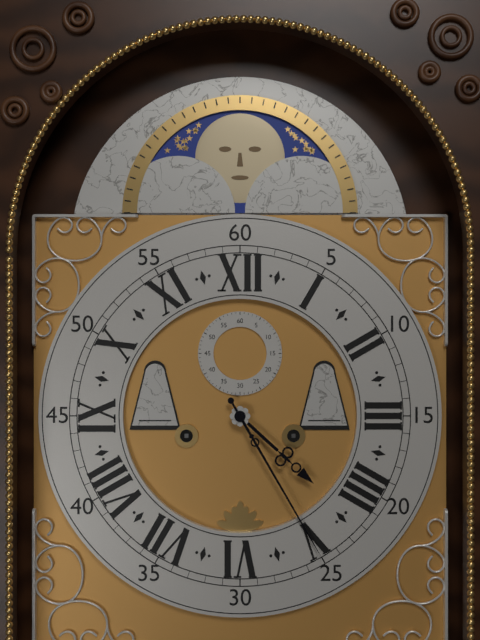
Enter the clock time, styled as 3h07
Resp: 4h25
